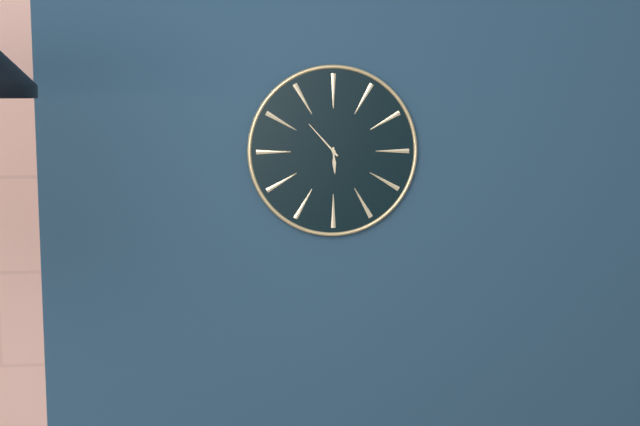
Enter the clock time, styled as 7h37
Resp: 5h53
